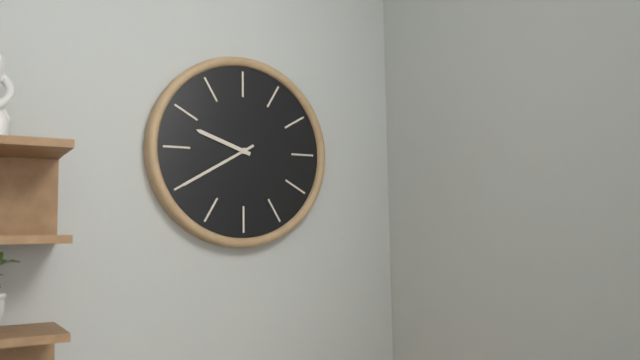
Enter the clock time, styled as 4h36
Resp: 9h40
